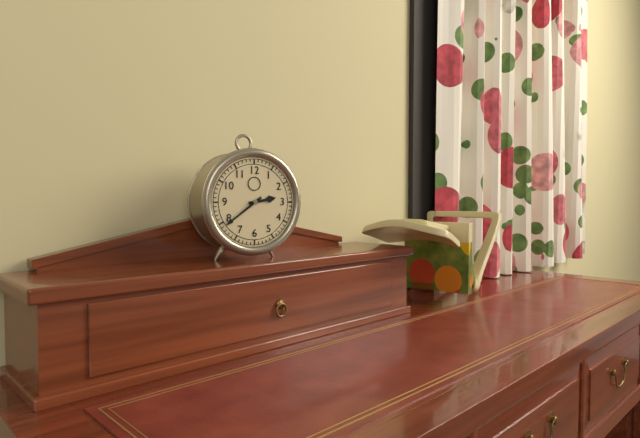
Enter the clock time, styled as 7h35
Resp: 2h39
